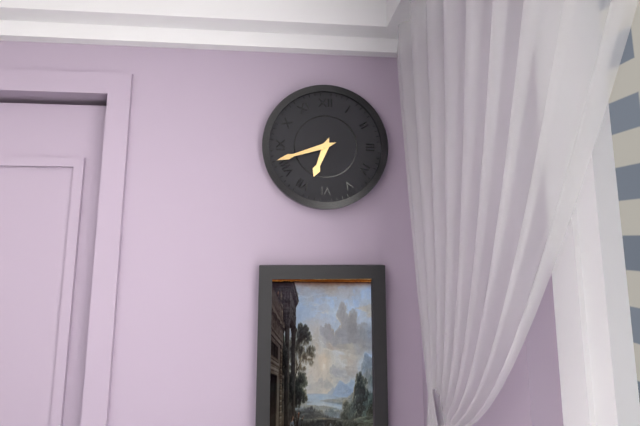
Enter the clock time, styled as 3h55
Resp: 6h42
